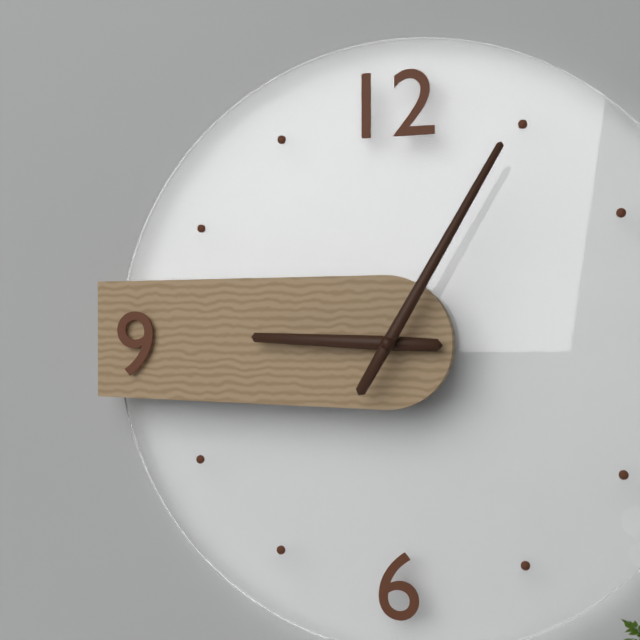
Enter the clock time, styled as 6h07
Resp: 9h05
